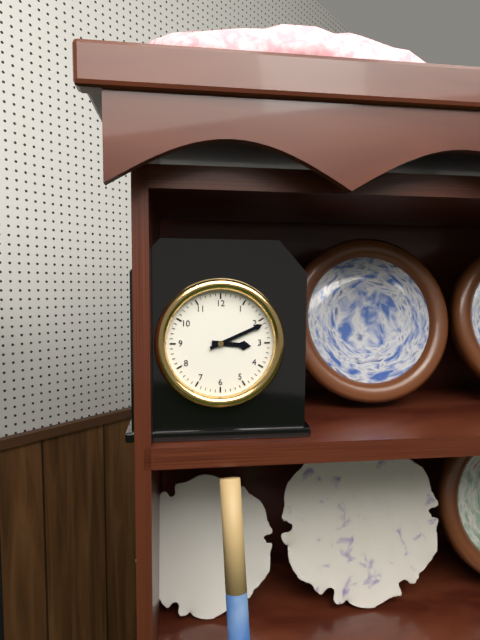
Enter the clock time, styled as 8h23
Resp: 3h11
